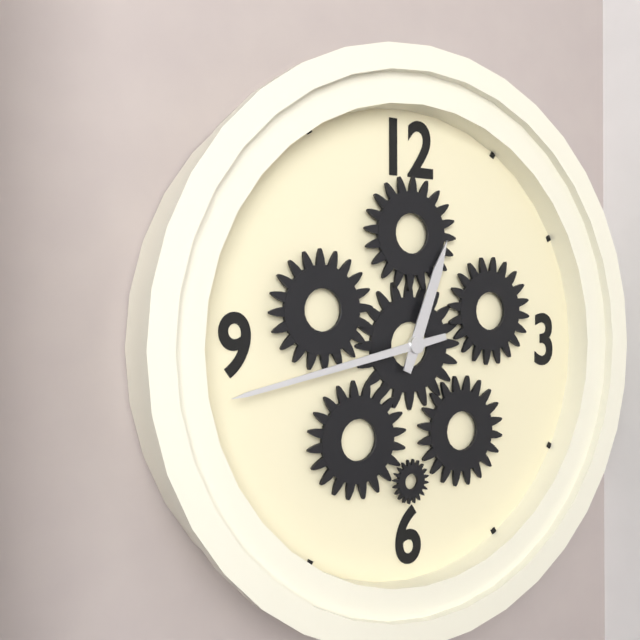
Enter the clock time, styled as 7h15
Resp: 12h43
